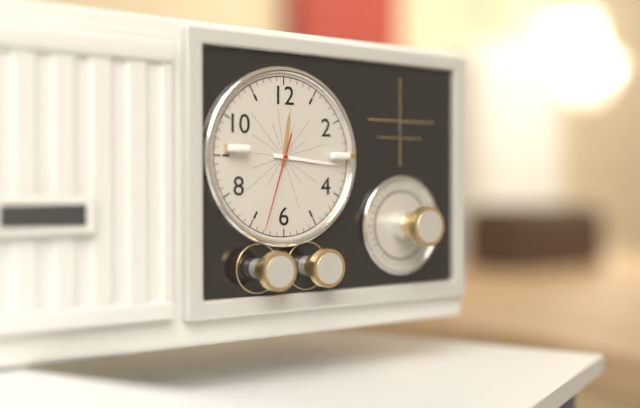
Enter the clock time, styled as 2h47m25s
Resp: 12h16m33s
